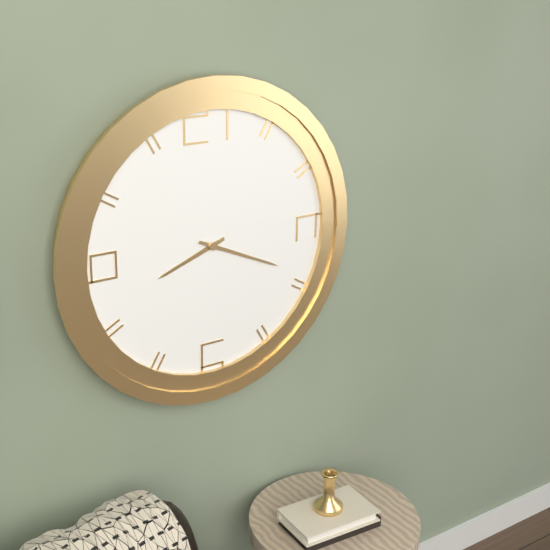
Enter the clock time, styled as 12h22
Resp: 8h19
